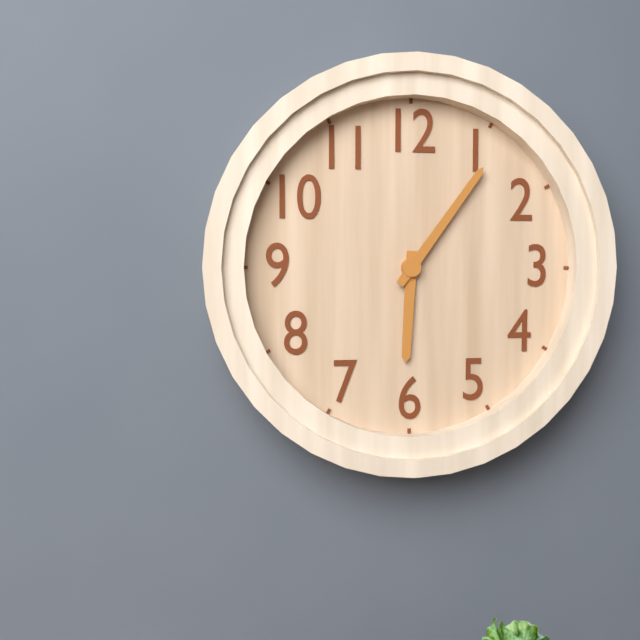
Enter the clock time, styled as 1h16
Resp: 6h06
